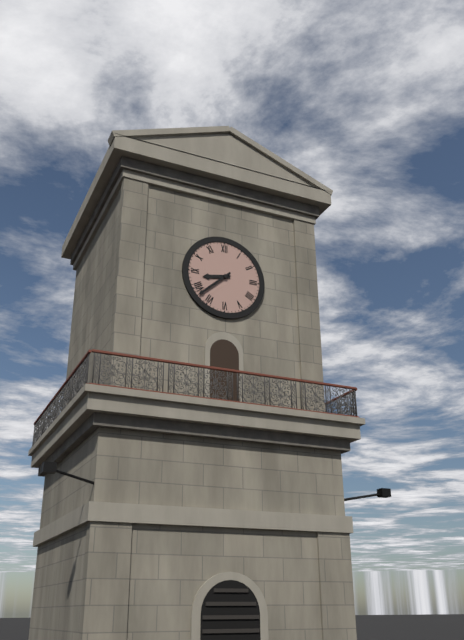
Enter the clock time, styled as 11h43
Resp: 8h38
